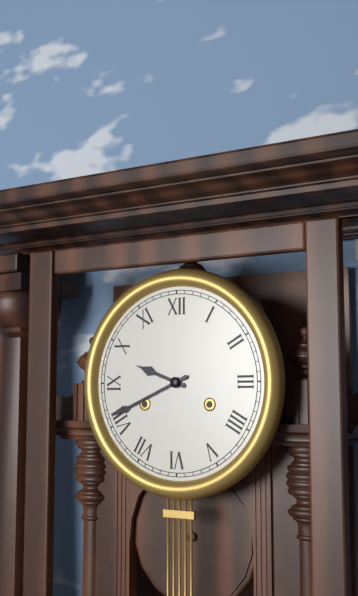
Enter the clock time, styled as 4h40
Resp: 9h41
